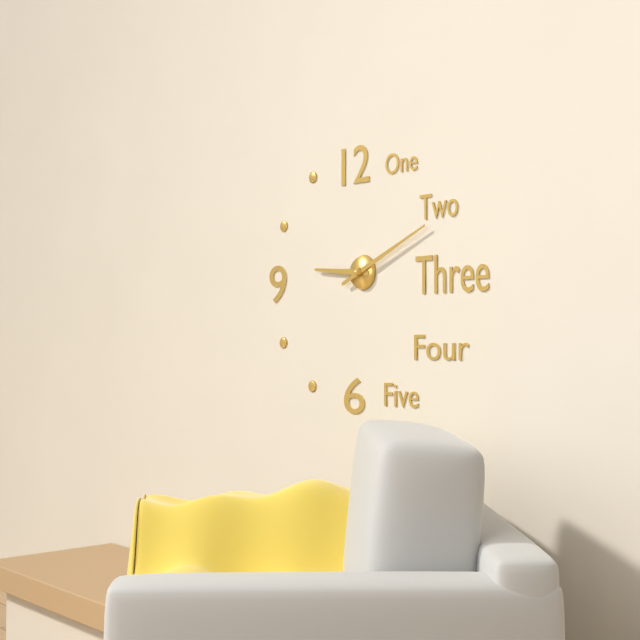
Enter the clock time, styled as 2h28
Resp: 9h11
